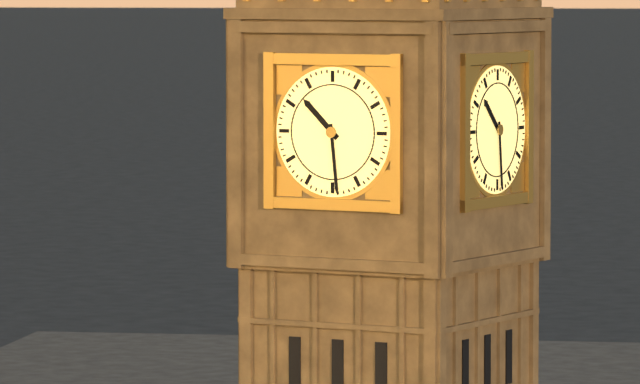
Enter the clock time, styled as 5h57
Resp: 10h29
